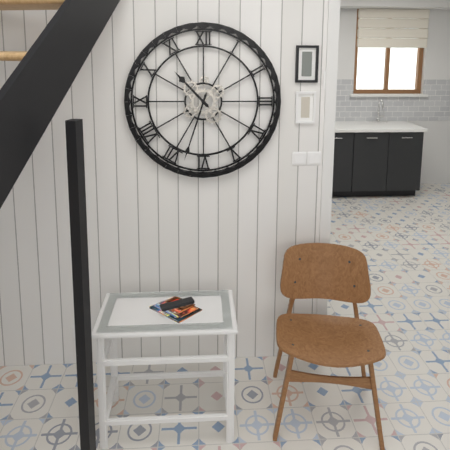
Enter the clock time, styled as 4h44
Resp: 10h33
